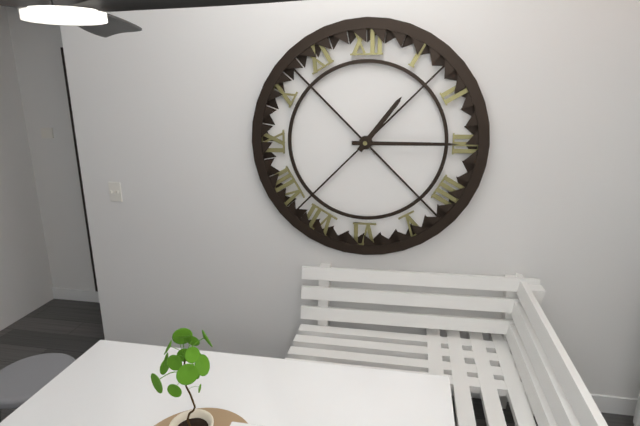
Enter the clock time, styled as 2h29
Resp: 1h15
